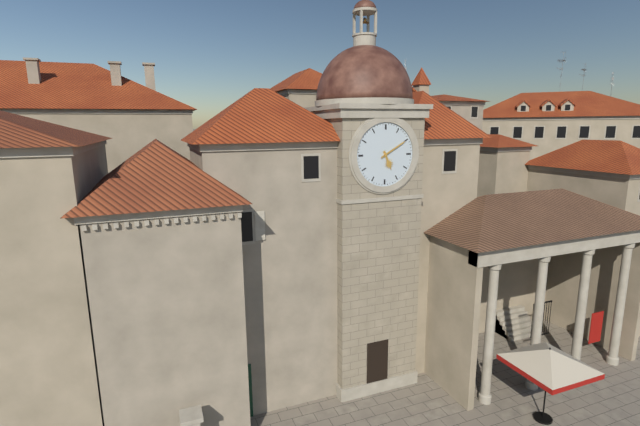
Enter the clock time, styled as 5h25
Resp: 5h10
